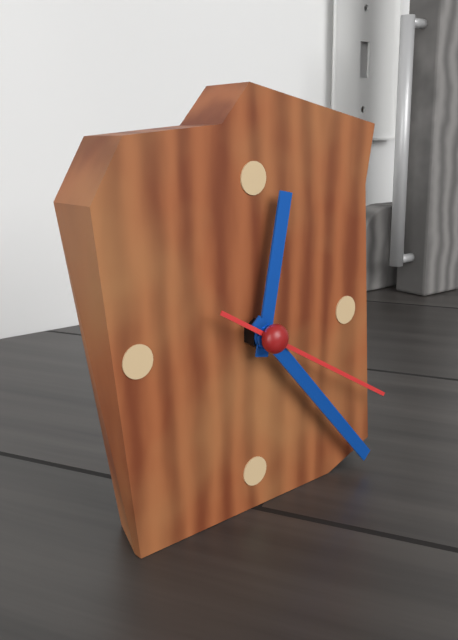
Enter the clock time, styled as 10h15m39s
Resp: 12h23m20s
